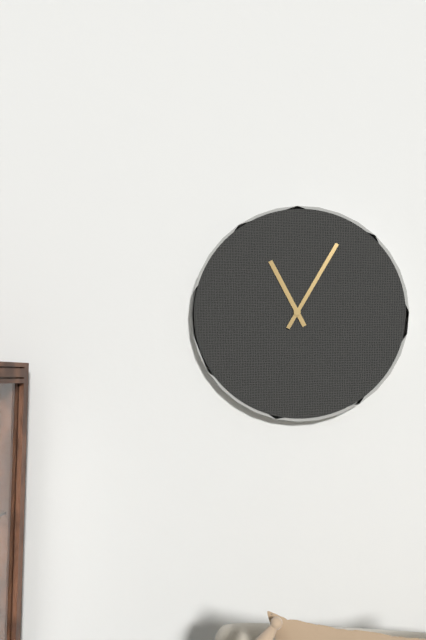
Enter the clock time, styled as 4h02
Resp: 11h05
